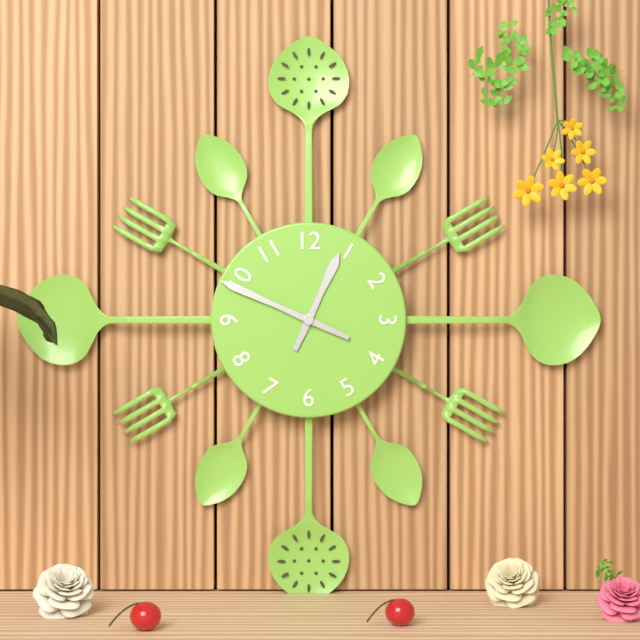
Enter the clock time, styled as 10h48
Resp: 12h49
